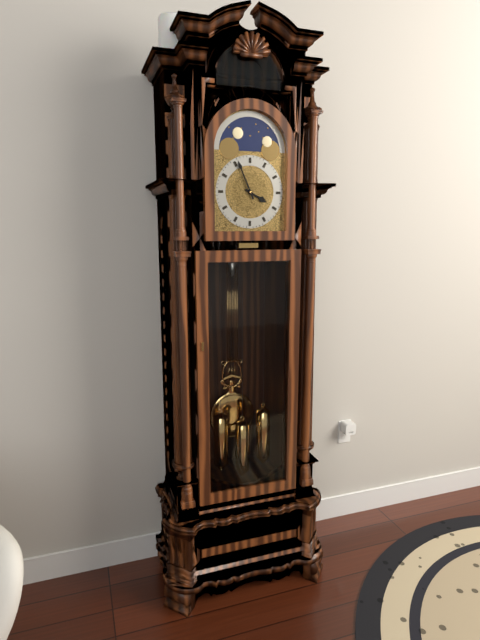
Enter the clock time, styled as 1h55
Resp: 3h56
